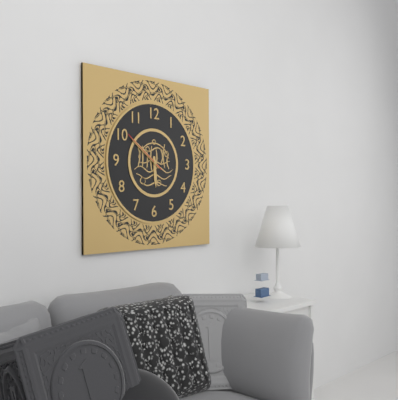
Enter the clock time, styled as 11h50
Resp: 5h51
